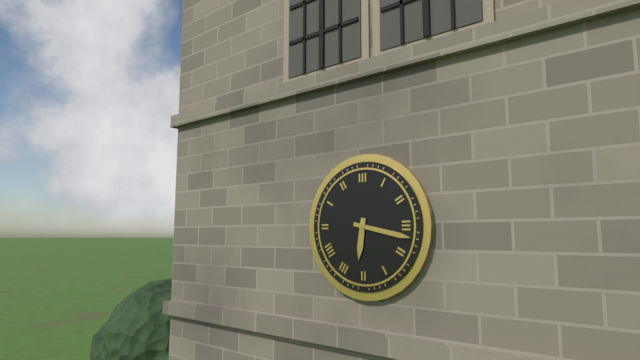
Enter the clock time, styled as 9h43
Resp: 6h17
